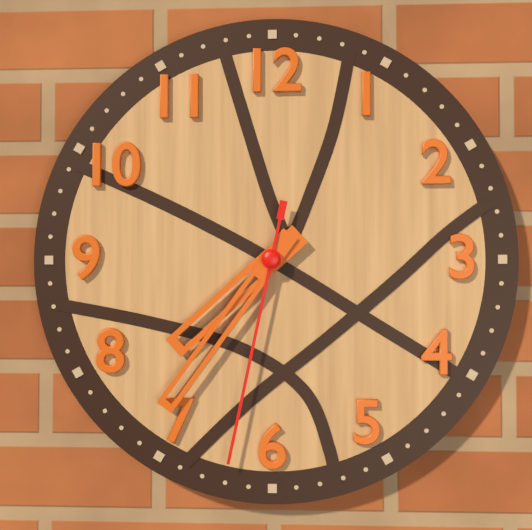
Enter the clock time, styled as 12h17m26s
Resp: 7h36m32s
